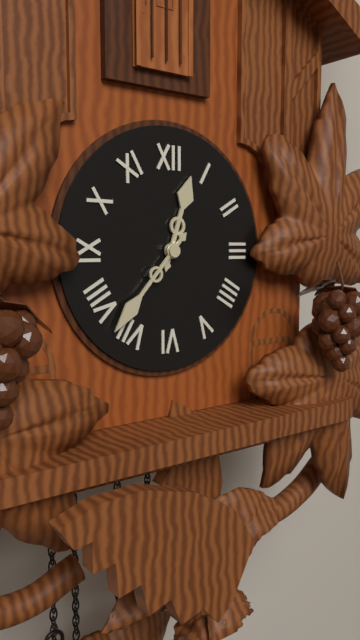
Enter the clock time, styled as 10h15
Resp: 12h37
